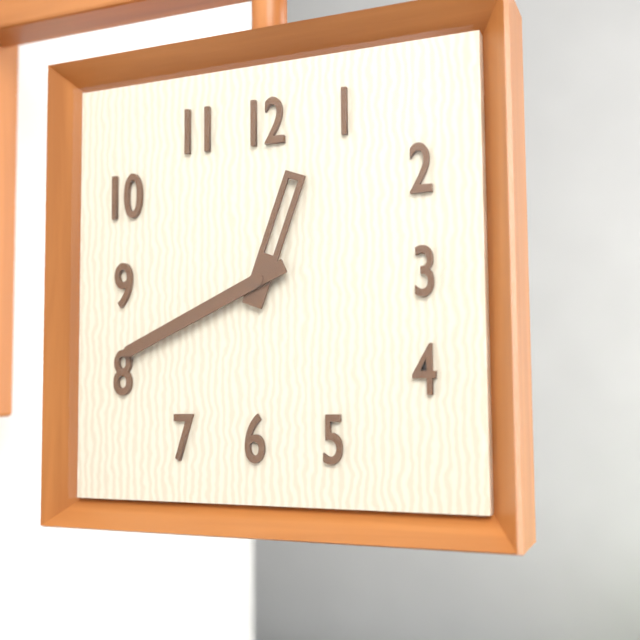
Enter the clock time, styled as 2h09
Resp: 12h41
